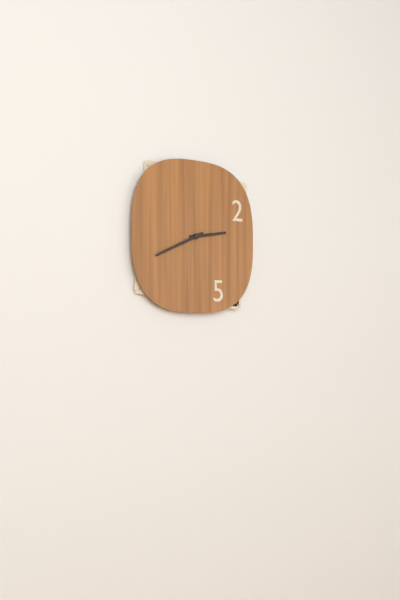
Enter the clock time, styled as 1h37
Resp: 2h41
